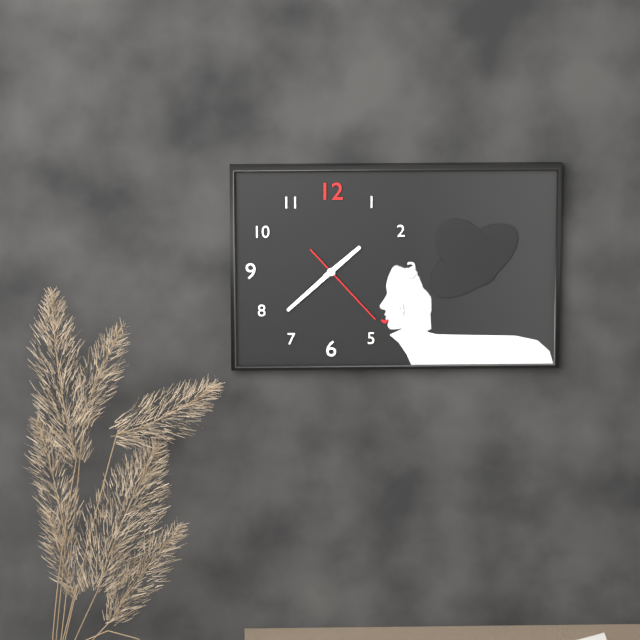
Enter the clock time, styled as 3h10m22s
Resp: 1h38m23s
